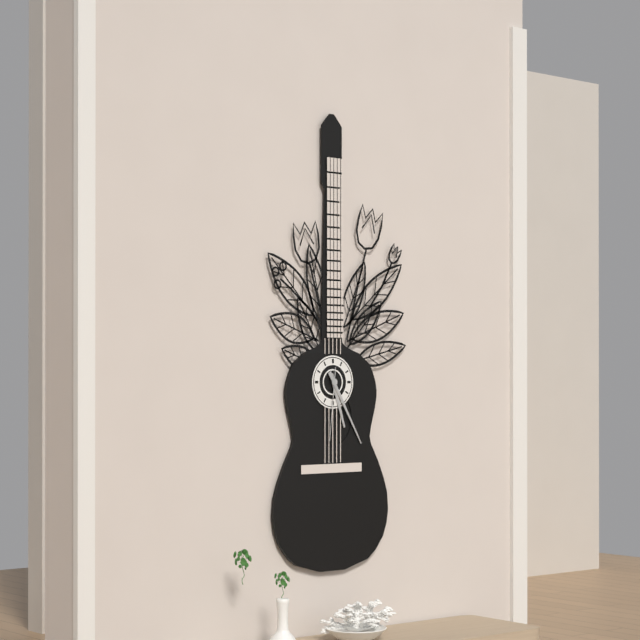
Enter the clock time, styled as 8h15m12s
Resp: 5h25m31s
